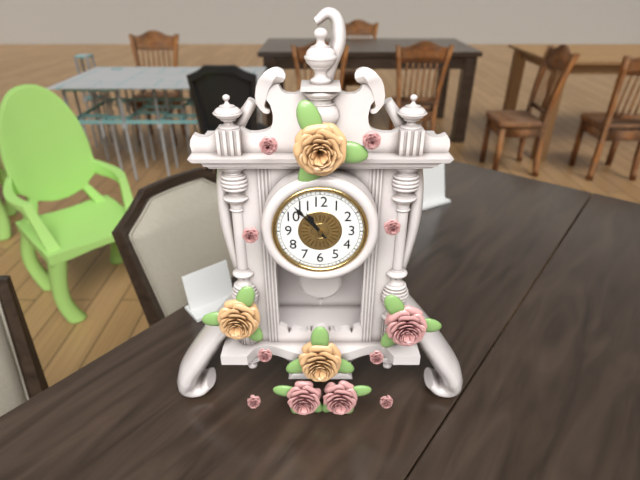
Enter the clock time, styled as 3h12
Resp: 10h53
